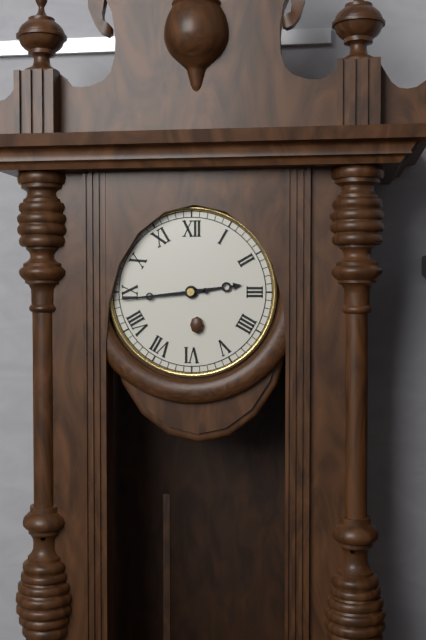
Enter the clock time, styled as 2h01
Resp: 2h44
